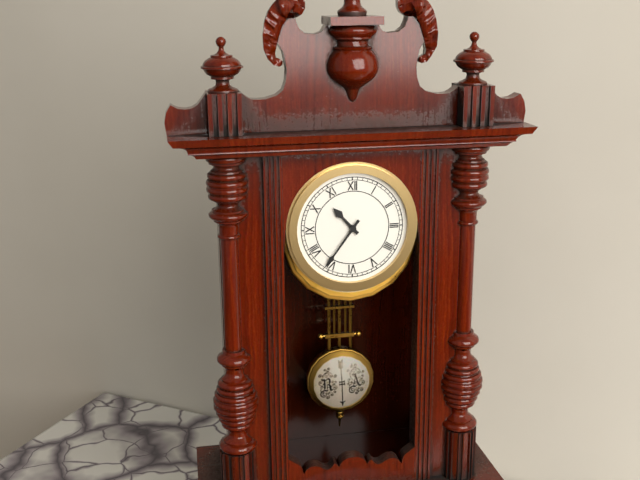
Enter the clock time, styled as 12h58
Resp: 10h36
